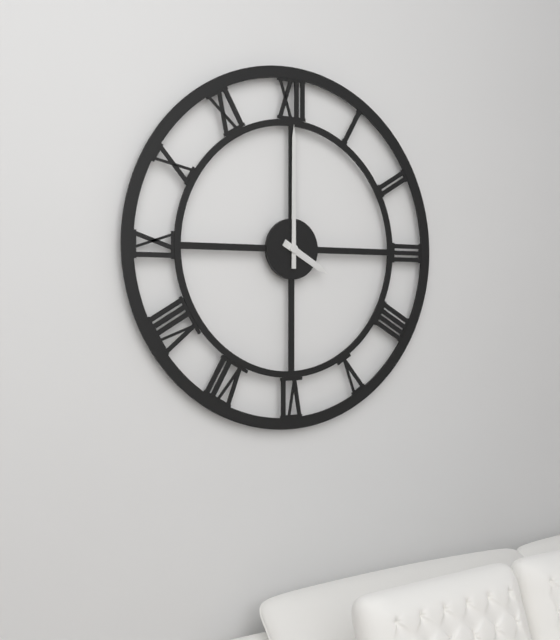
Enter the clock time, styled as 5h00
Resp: 4h00
